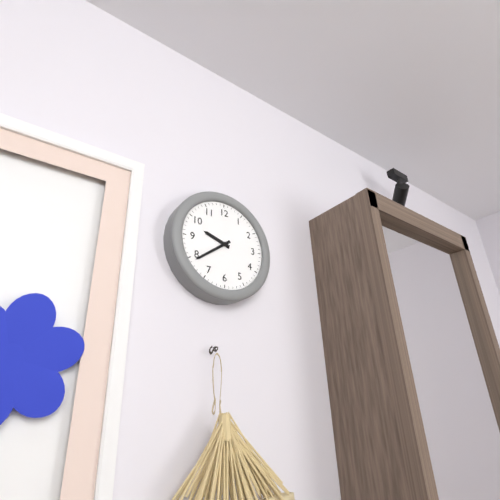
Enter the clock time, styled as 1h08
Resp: 9h39
